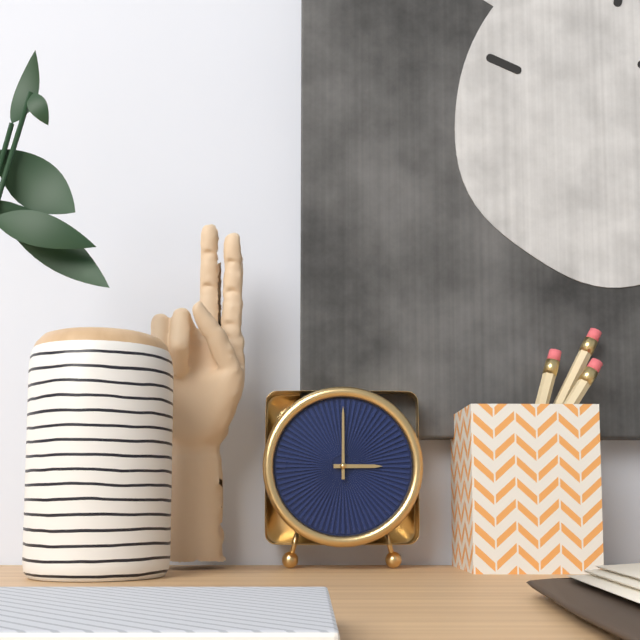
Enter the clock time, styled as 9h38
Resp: 3h00
